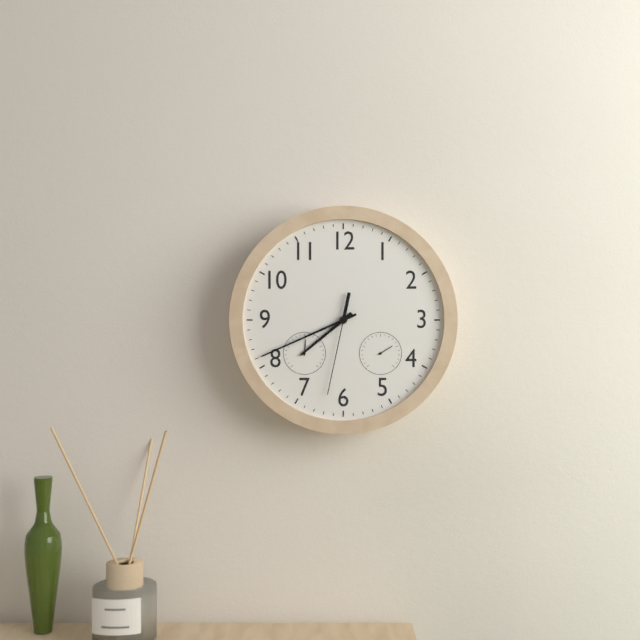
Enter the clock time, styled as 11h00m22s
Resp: 7h41m32s
